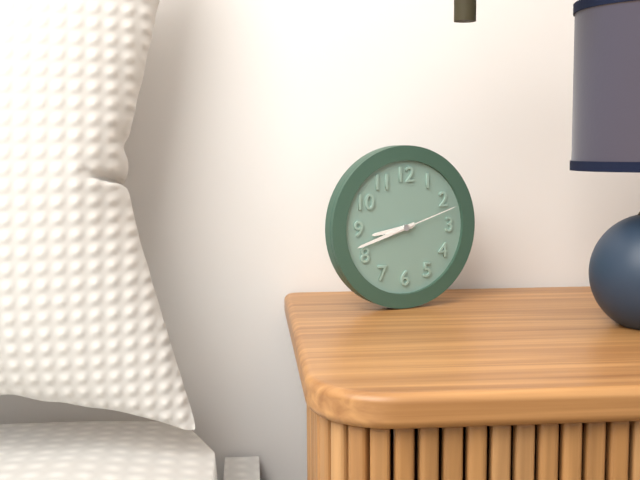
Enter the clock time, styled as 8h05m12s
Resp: 8h42m12s
